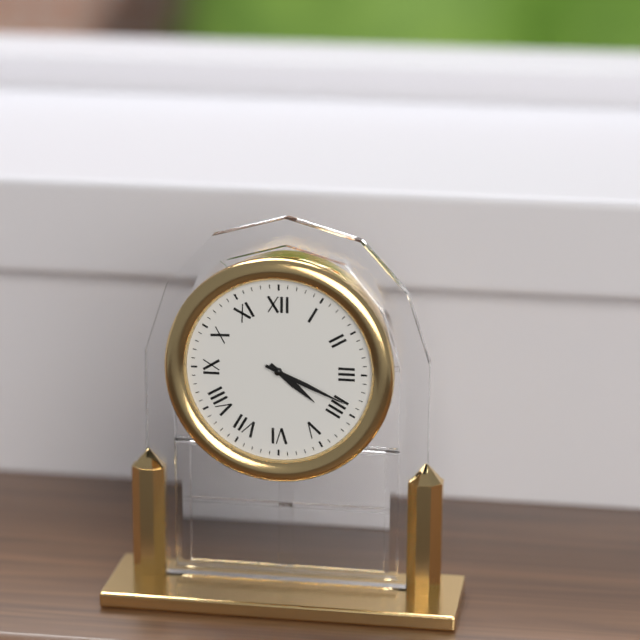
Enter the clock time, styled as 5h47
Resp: 4h19
